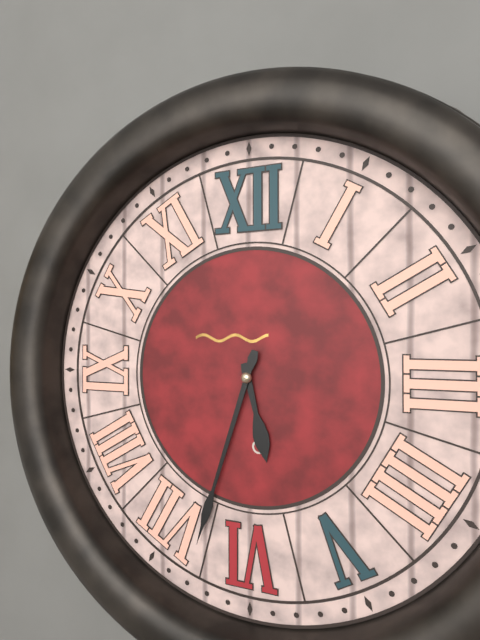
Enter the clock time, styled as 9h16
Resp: 5h33
